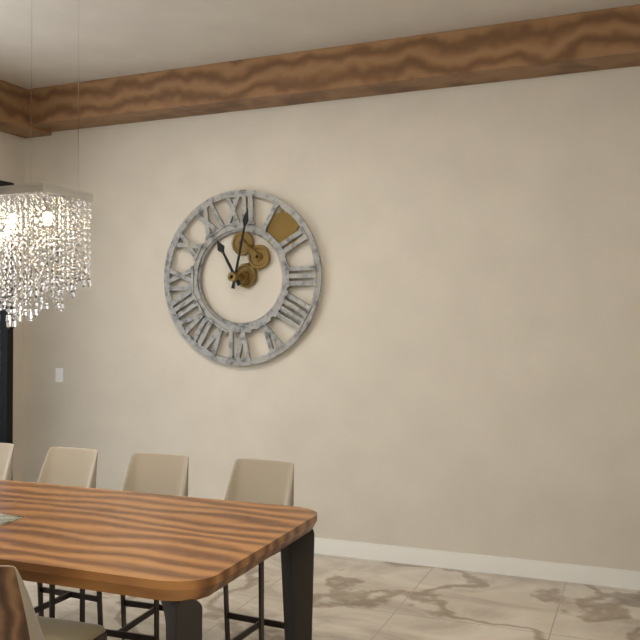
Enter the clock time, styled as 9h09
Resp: 11h02
